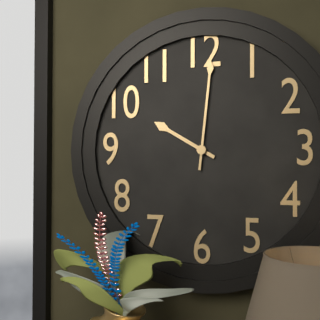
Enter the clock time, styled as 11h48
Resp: 10h01
